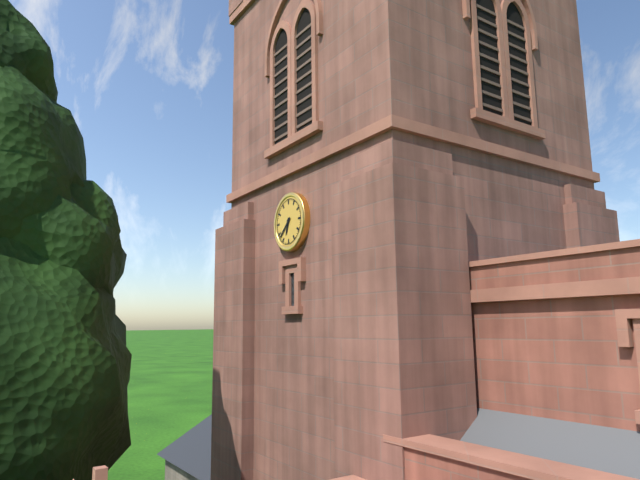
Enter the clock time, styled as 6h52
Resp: 6h38
